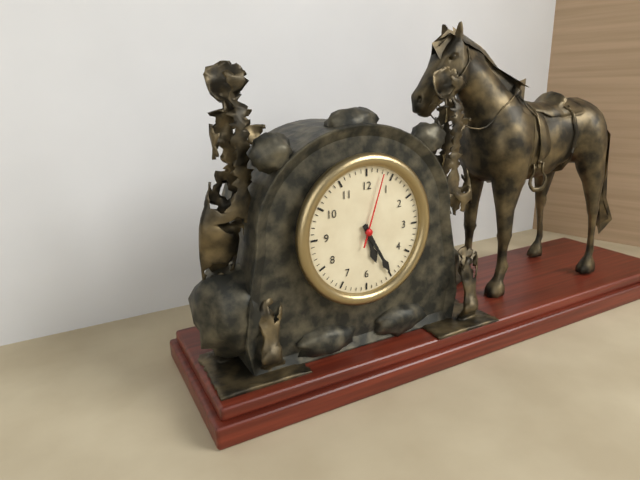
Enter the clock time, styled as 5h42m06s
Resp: 5h25m03s
